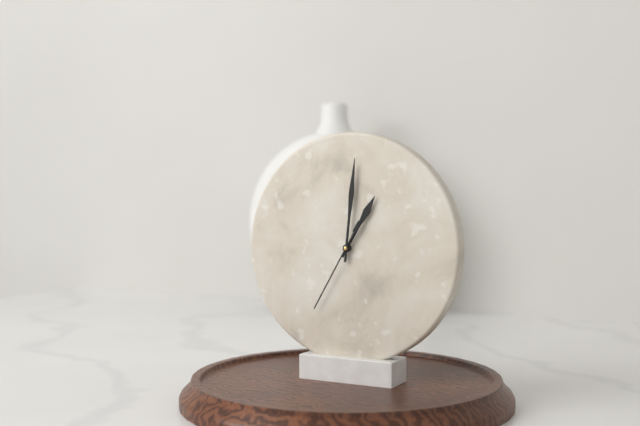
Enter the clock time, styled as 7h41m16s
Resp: 1h01m35s
